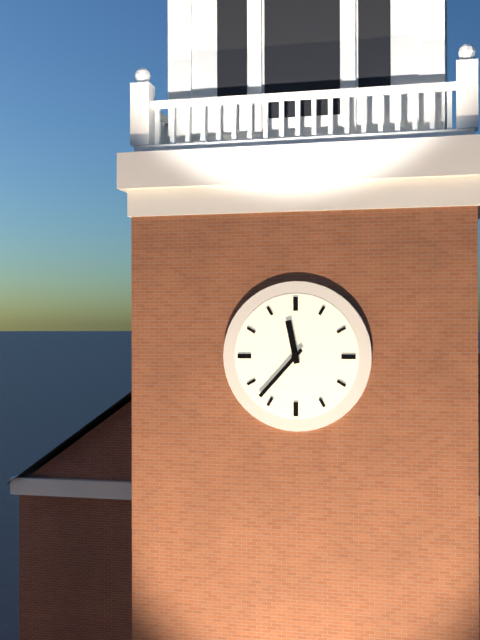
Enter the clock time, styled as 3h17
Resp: 11h37
